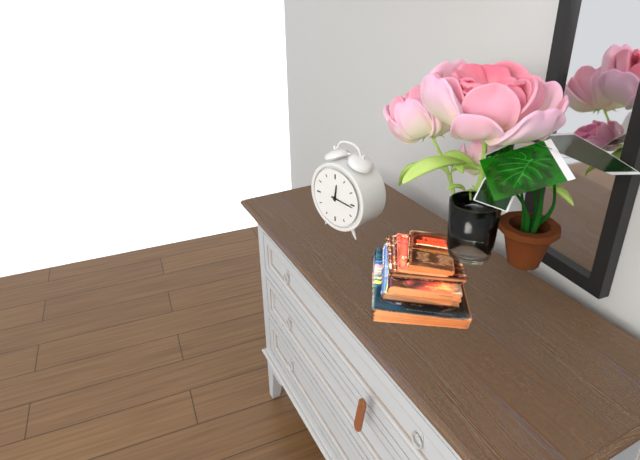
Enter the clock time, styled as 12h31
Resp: 12h16
